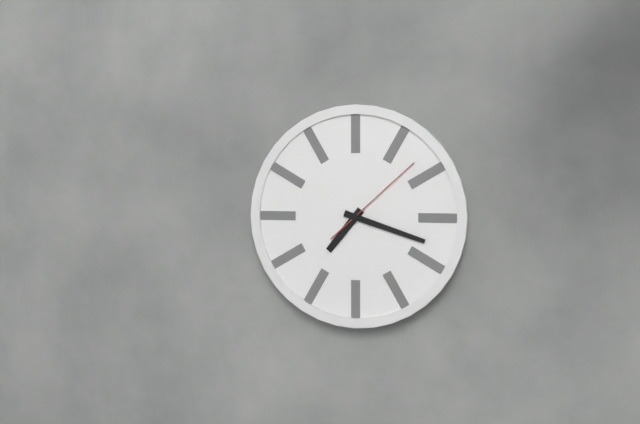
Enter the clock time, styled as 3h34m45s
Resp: 7h18m08s
